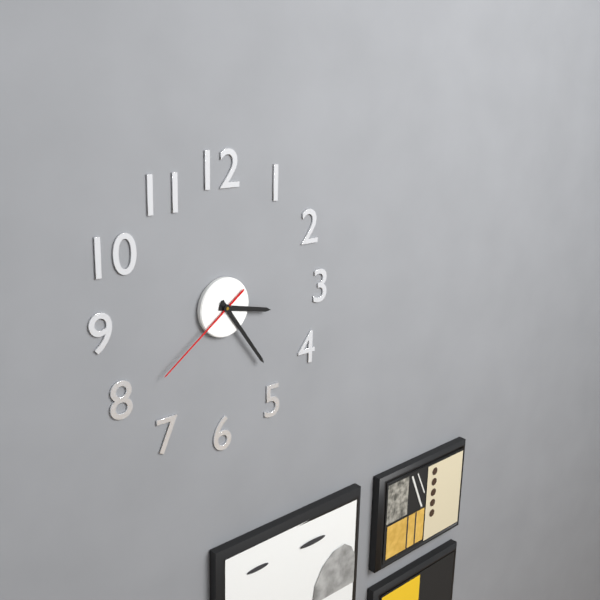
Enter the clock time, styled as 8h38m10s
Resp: 3h24m39s
